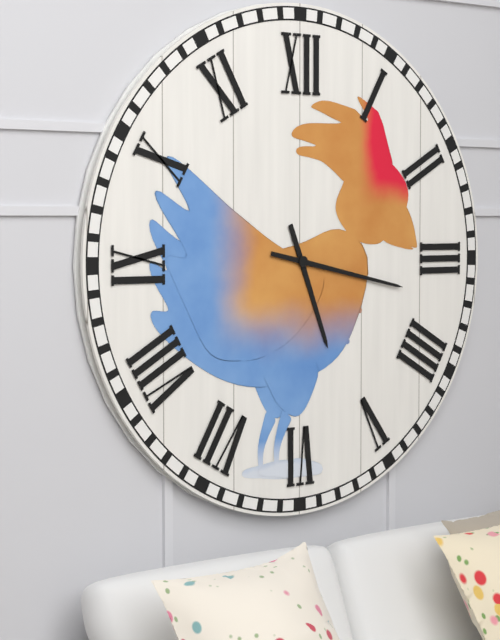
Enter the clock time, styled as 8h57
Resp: 5h17
